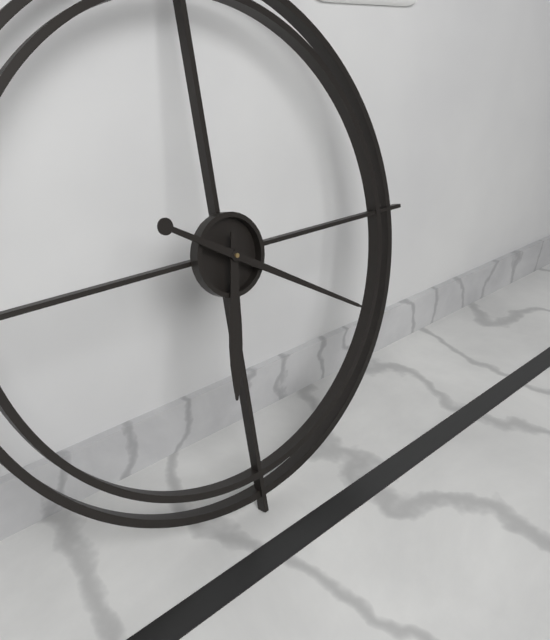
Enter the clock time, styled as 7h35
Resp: 6h20
